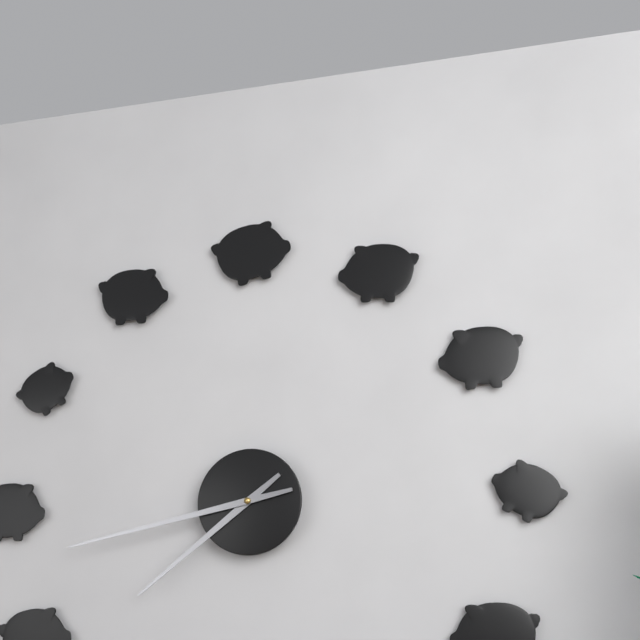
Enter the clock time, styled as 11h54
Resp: 7h43
